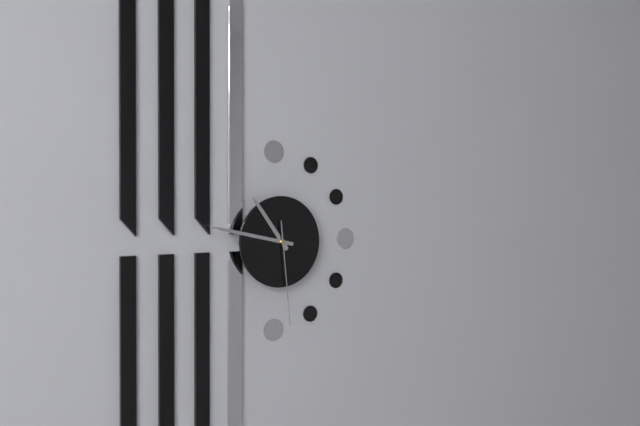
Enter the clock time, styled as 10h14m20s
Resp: 10h47m29s
